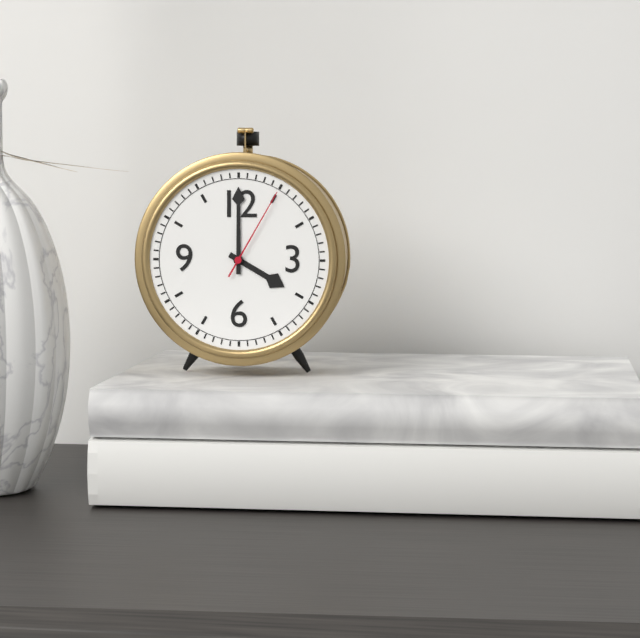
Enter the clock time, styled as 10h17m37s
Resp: 4h00m05s
